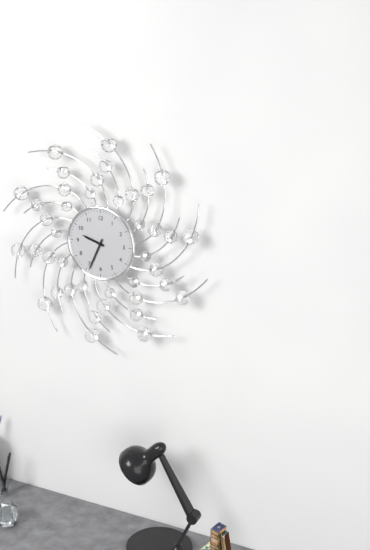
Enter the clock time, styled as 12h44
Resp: 9h34
